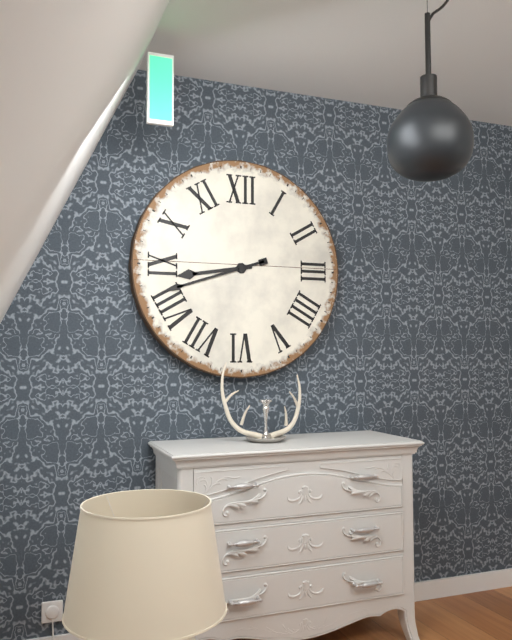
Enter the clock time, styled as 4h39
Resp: 8h42
